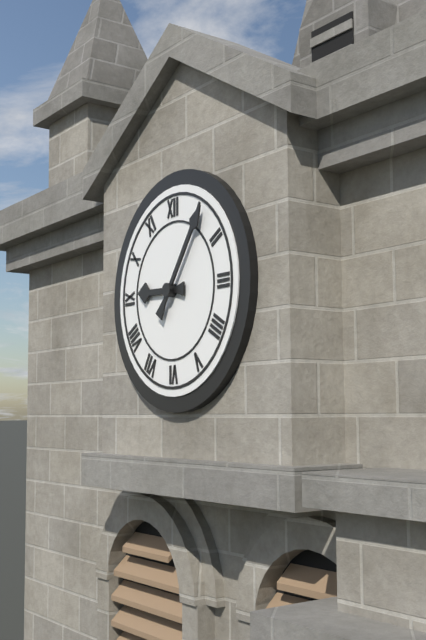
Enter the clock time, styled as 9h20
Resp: 9h06
